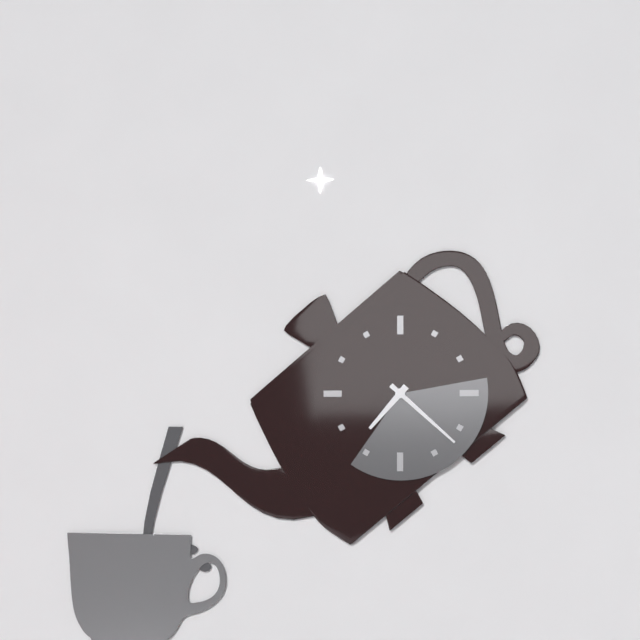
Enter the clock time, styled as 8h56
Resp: 7h22
